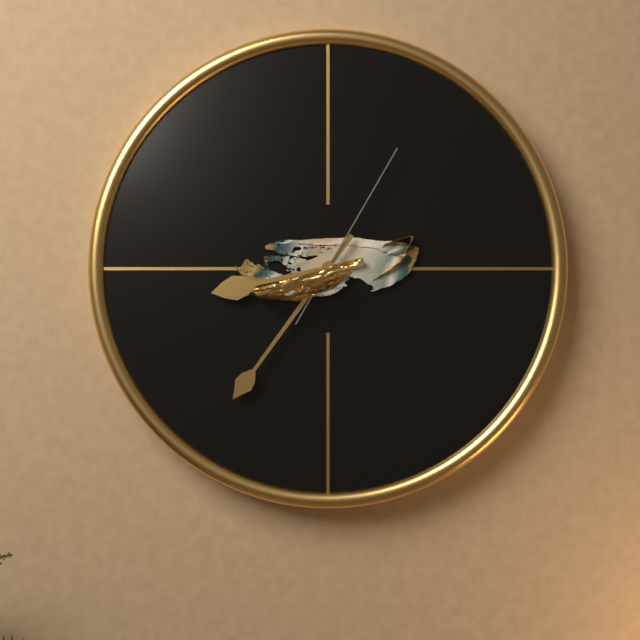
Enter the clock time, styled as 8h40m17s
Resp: 8h36m05s
